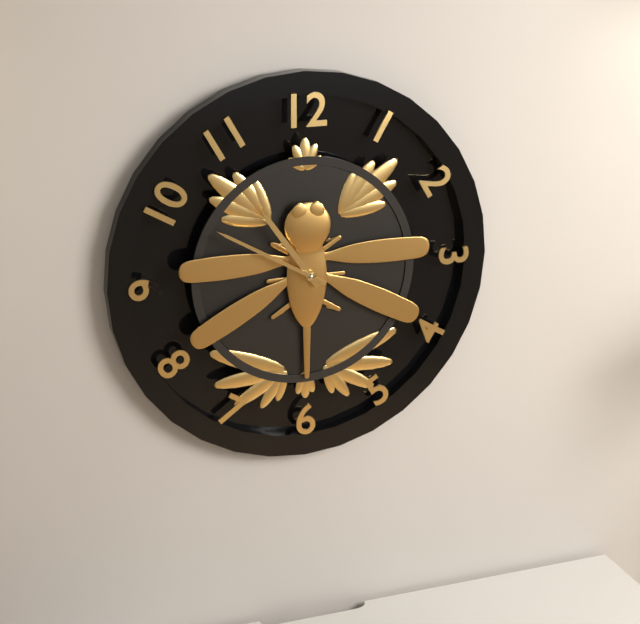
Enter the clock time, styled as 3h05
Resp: 10h50
